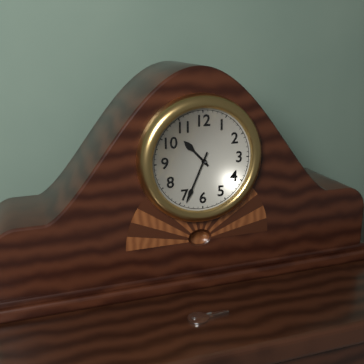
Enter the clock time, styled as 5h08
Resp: 10h34
